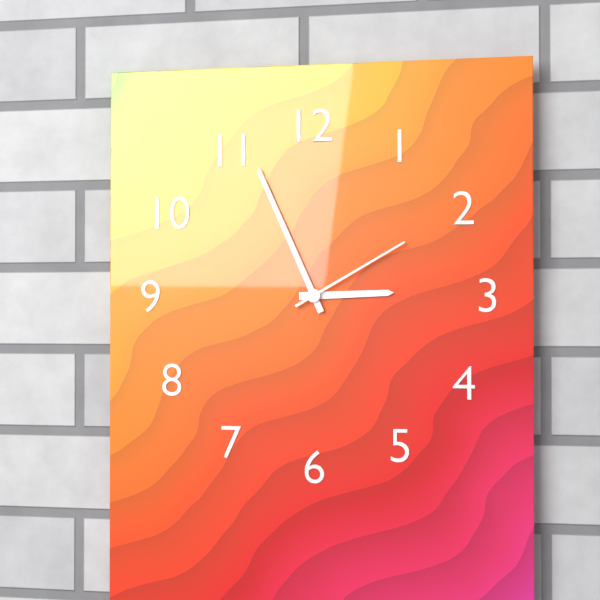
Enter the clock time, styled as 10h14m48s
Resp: 2h56m10s
